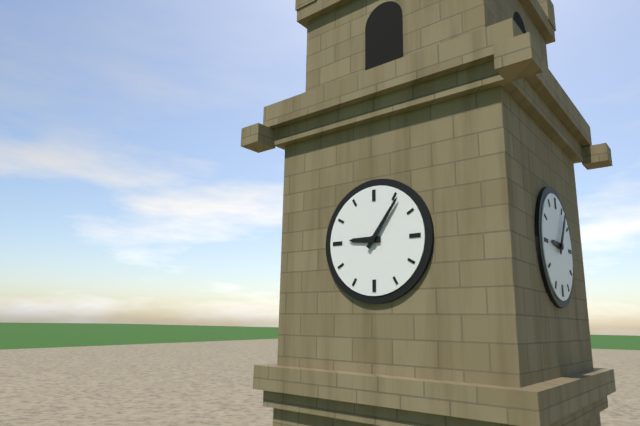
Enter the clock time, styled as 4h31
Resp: 9h06
